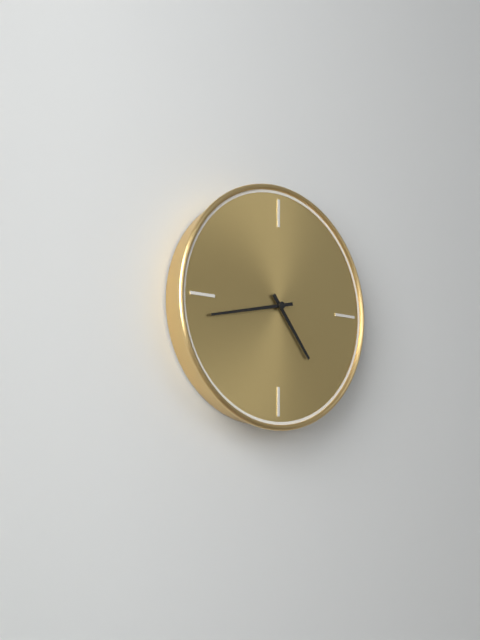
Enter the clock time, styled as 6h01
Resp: 4h43
